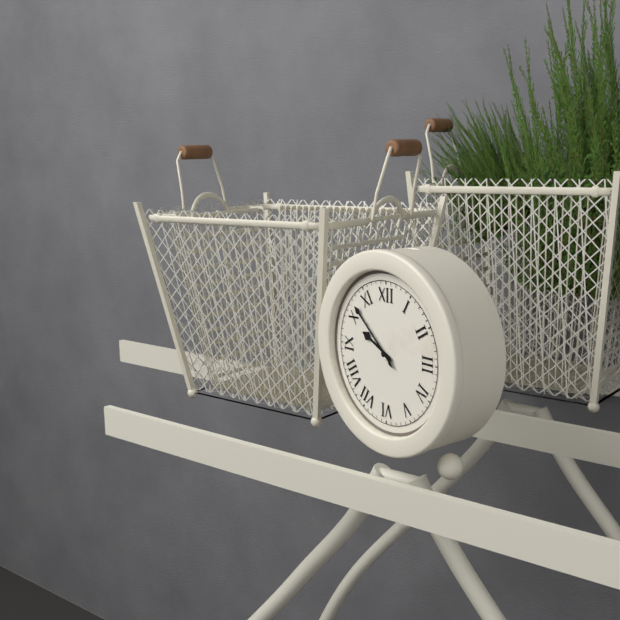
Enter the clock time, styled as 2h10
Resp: 9h52
